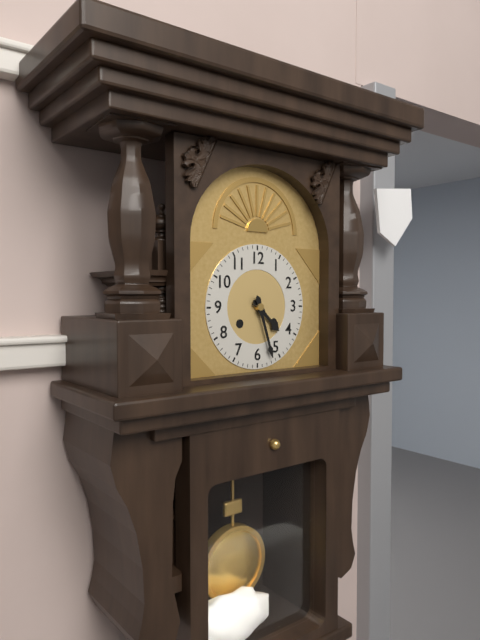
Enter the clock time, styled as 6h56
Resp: 4h27
